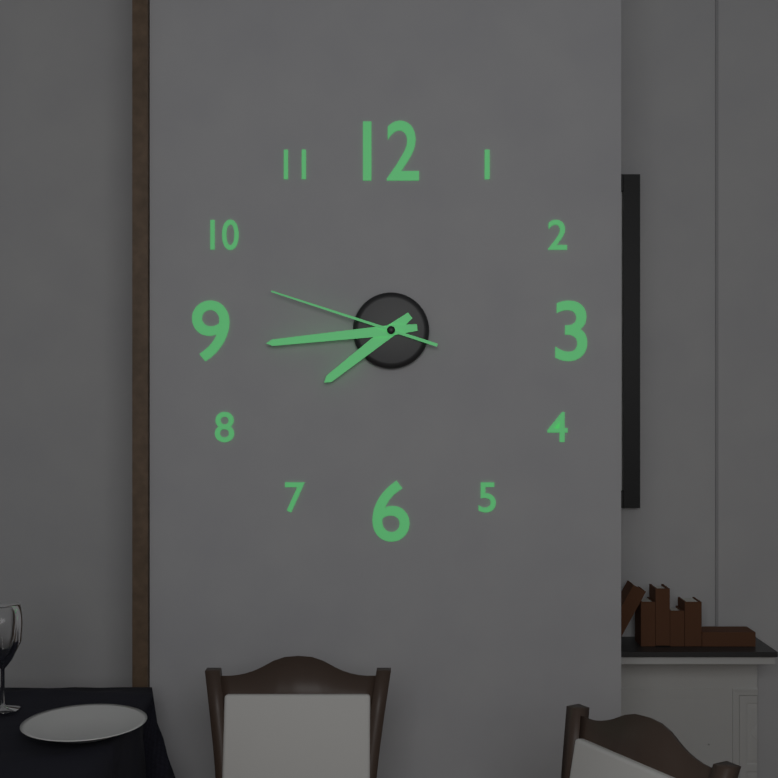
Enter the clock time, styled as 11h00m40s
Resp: 7h44m48s
